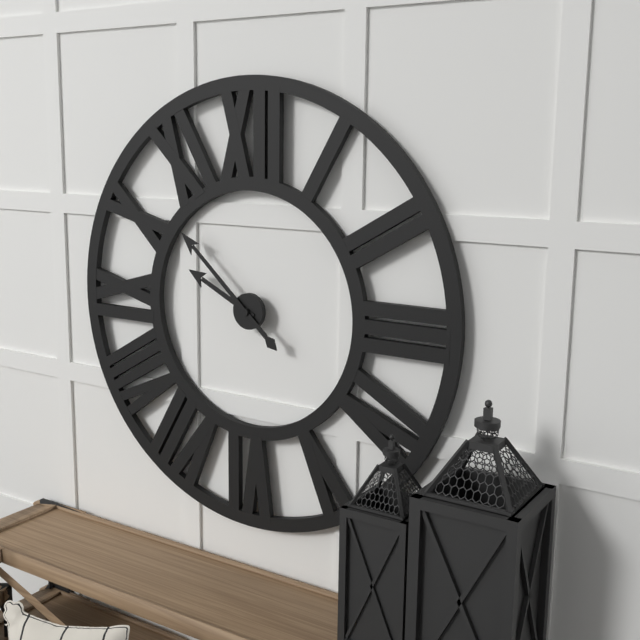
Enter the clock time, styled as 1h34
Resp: 9h52
